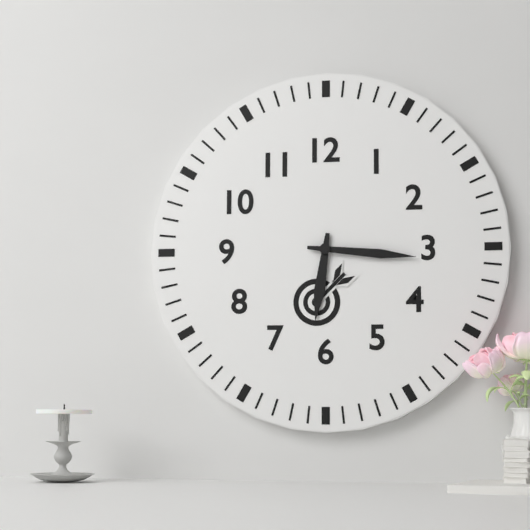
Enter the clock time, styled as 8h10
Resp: 6h16
